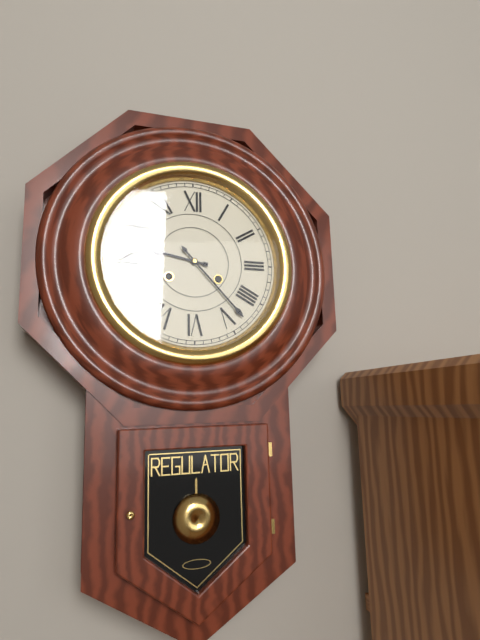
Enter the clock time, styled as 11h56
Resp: 9h23
